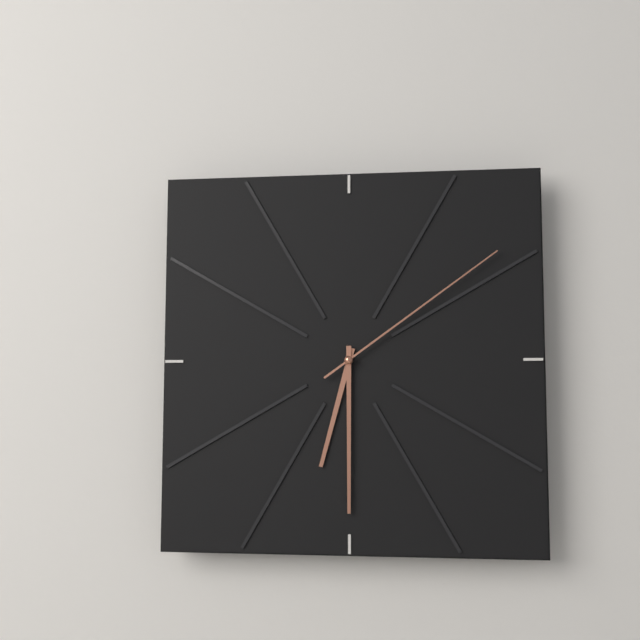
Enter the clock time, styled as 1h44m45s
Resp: 6h30m09s
